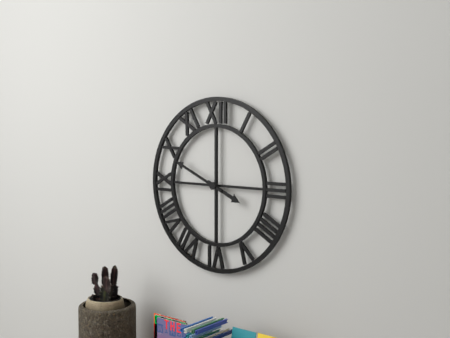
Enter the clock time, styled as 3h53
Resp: 3h49
